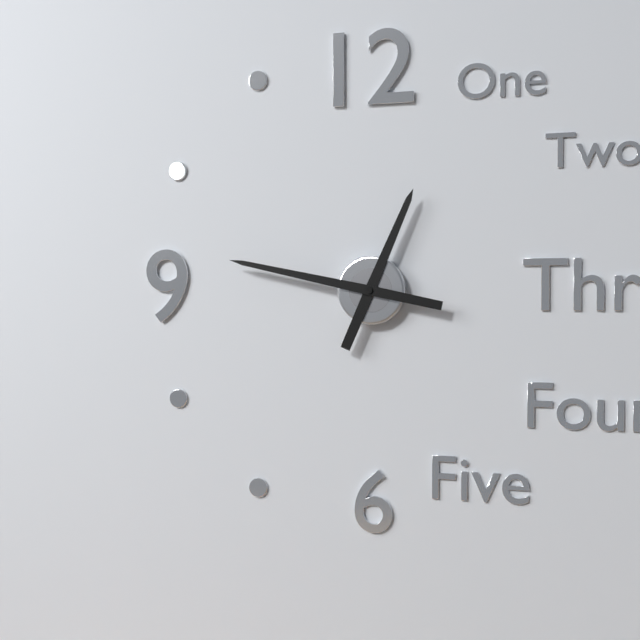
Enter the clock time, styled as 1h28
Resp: 12h47
